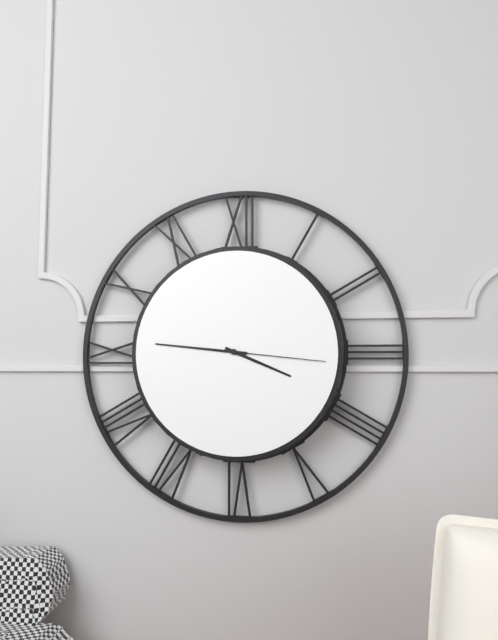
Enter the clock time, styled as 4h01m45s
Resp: 3h46m16s
